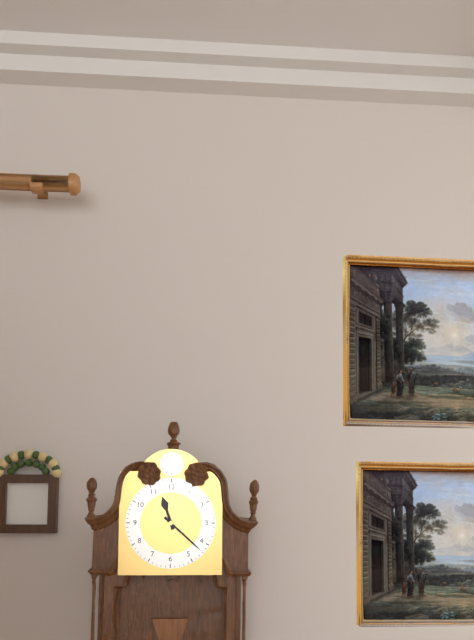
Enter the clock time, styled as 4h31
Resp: 11h22
